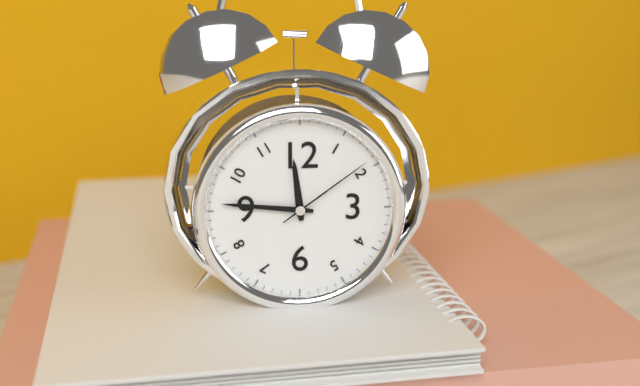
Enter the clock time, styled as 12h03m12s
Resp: 11h46m09s
